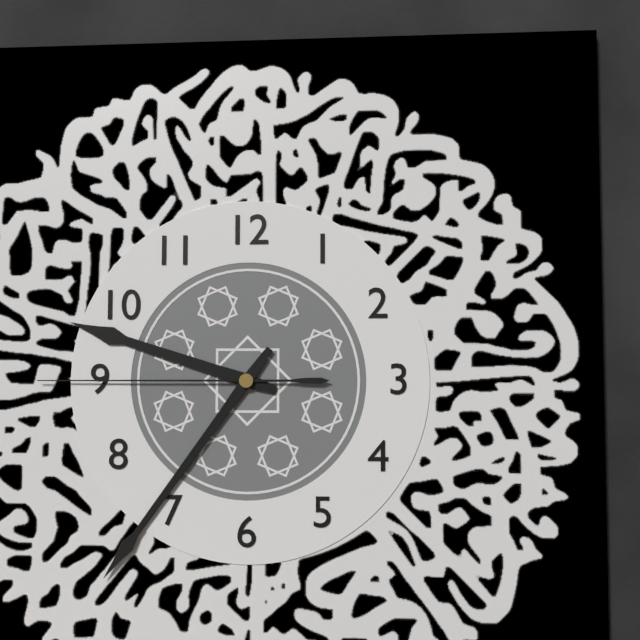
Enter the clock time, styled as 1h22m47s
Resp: 9h36m45s
